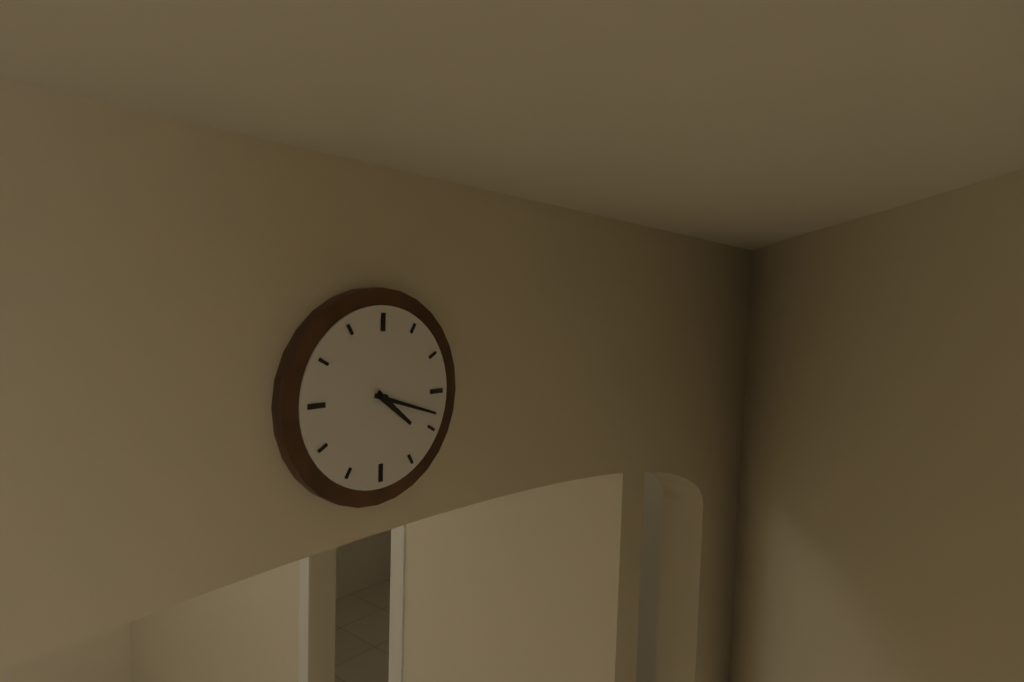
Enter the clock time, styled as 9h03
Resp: 4h18
